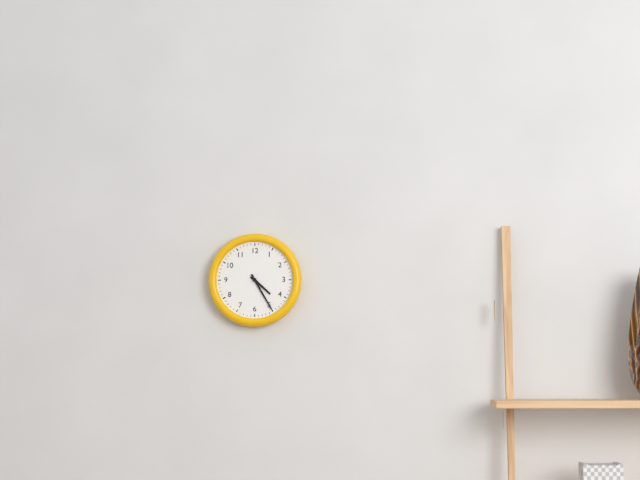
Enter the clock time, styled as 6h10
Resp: 4h25
